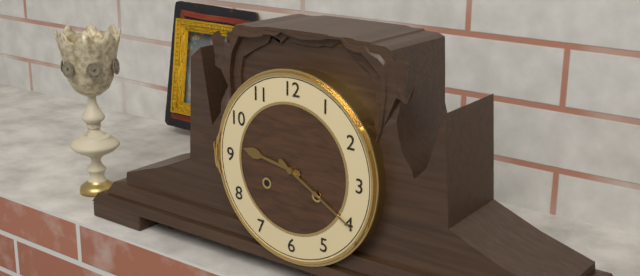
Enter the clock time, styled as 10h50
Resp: 9h20
